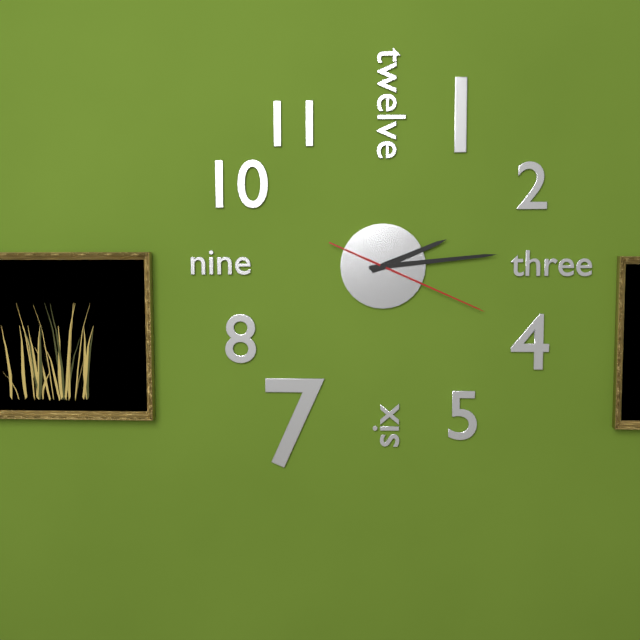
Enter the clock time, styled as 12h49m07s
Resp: 2h14m19s
